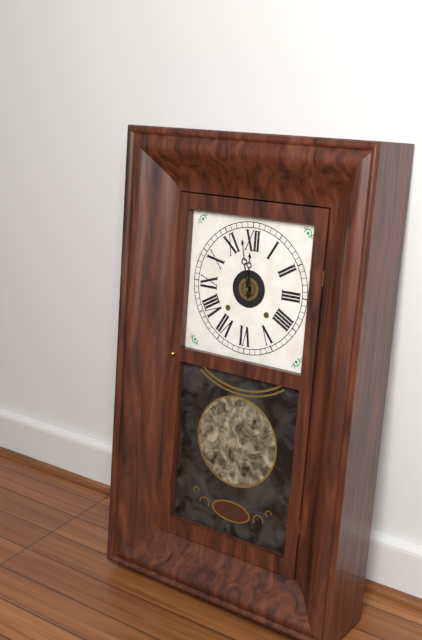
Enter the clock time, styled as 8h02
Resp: 11h58
